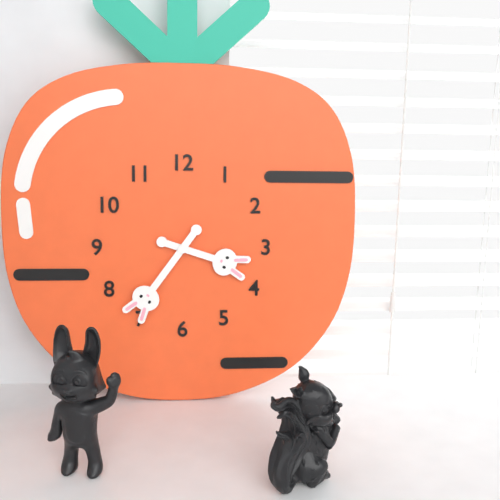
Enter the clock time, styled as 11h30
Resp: 3h36
